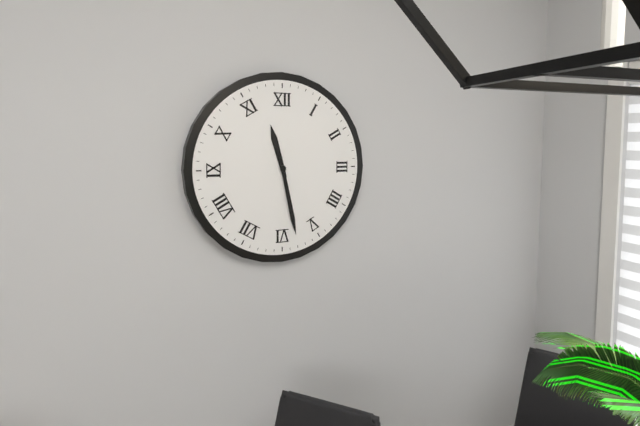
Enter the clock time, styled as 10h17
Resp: 11h28
